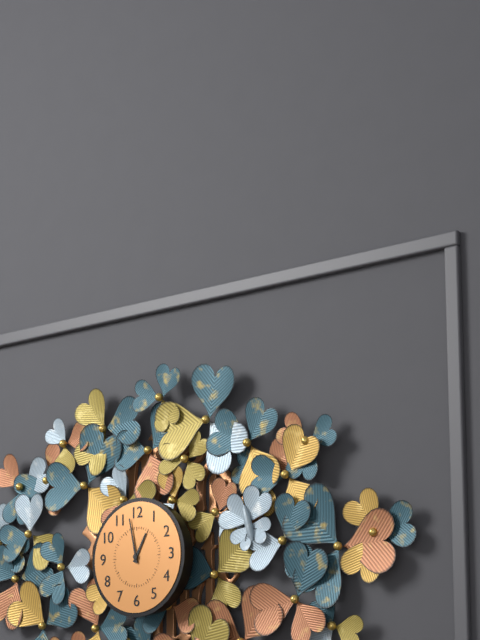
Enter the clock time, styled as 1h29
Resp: 12h58
